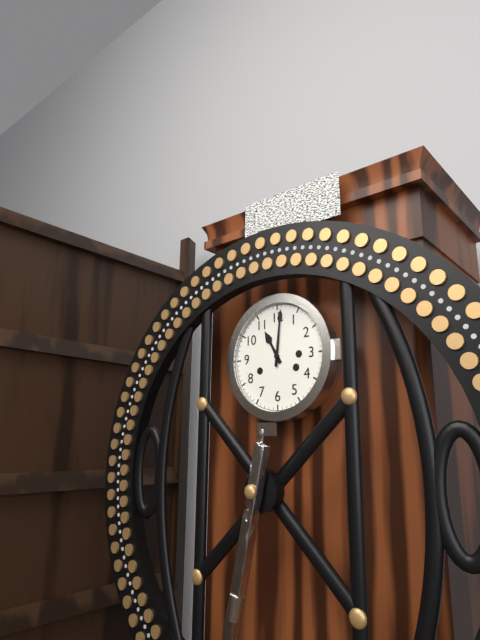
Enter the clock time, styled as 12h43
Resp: 11h01
